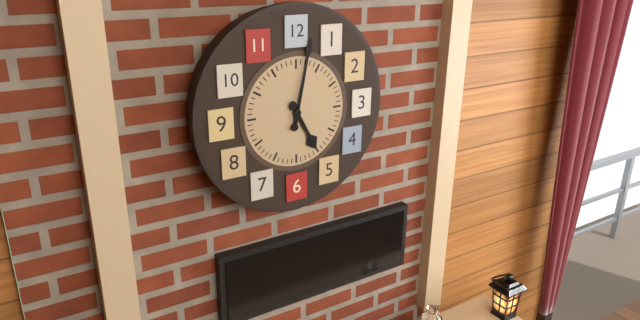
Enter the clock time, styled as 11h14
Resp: 5h02
